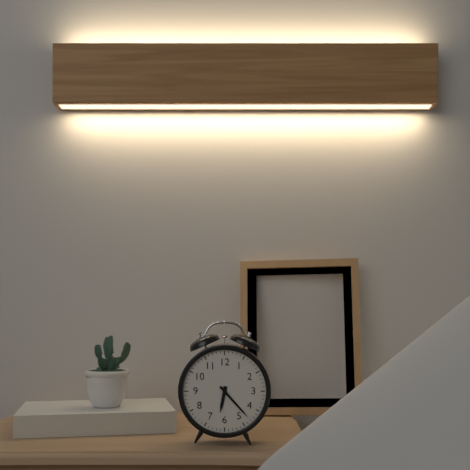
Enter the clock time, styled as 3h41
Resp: 6h23
